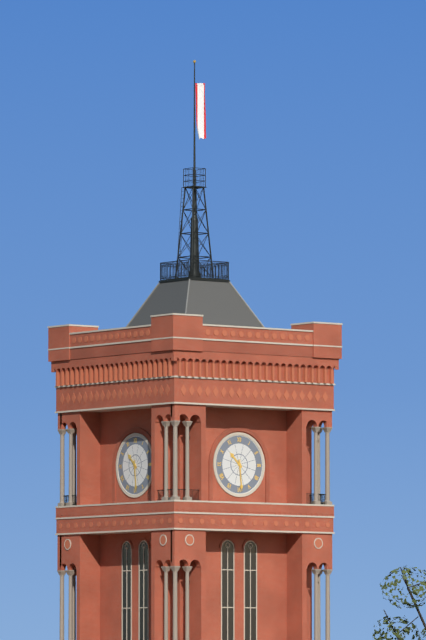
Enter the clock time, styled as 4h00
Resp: 10h29
